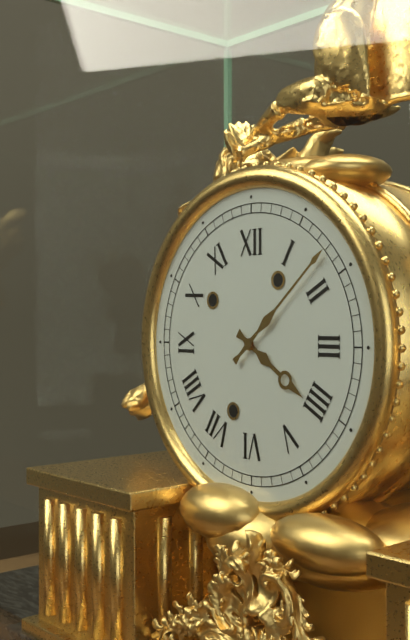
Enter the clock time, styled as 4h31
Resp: 4h08
